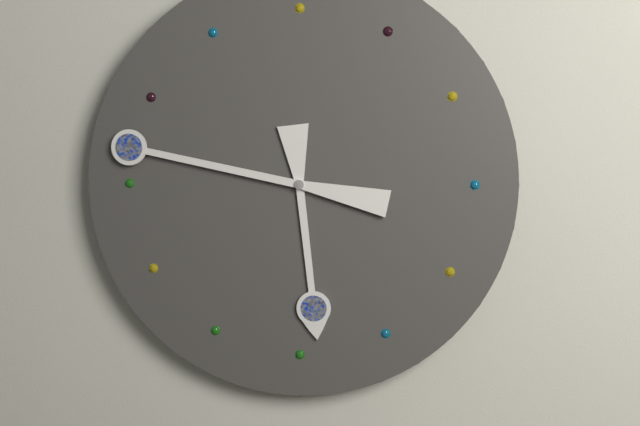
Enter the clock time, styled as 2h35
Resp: 5h47
